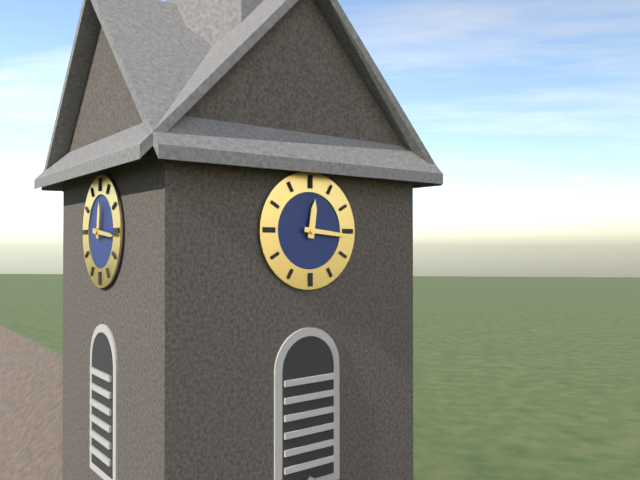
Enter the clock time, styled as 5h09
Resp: 12h16
